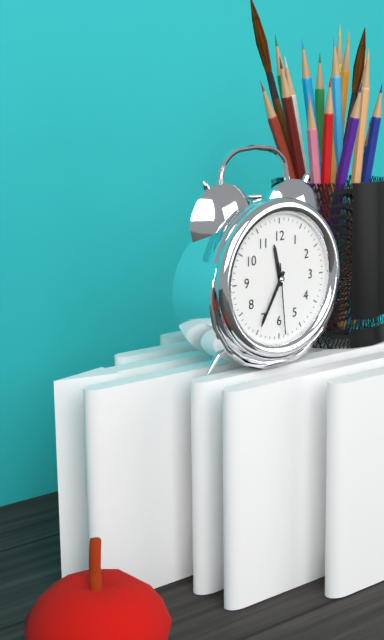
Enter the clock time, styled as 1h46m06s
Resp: 11h35m29s
